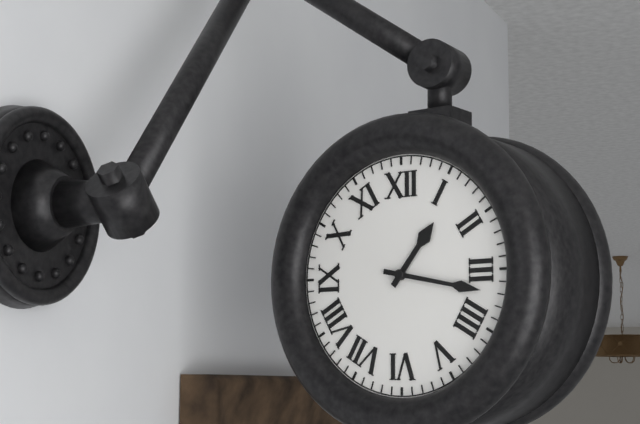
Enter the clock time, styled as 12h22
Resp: 1h17
